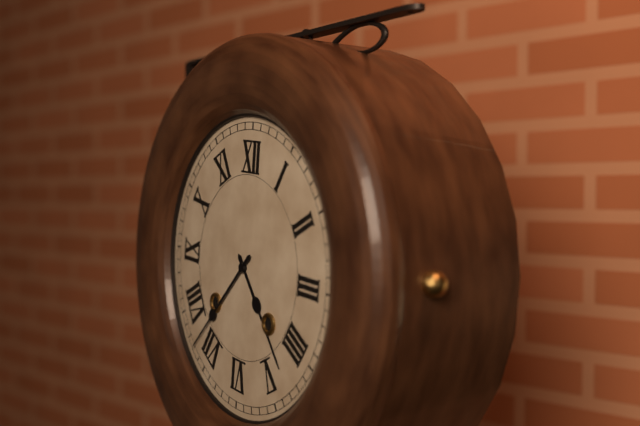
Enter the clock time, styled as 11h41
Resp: 4h37
